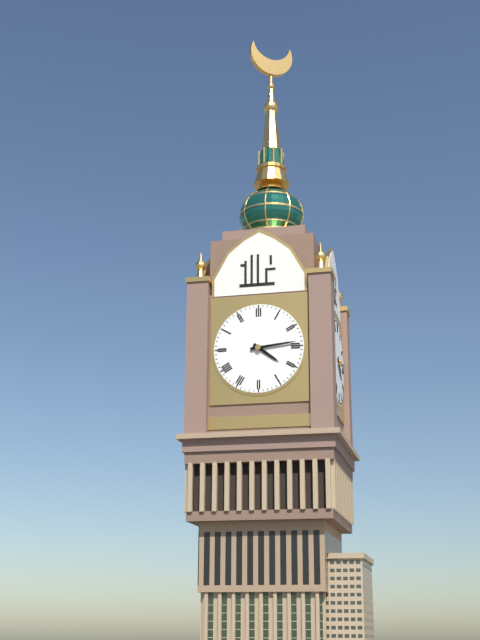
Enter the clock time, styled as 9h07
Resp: 4h14
